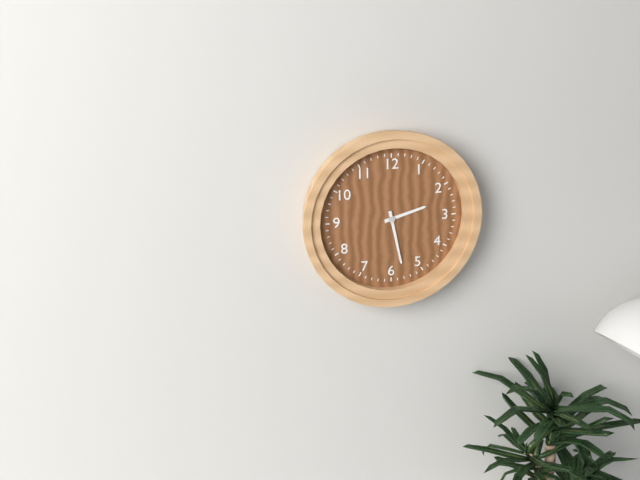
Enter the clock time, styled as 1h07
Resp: 2h28
